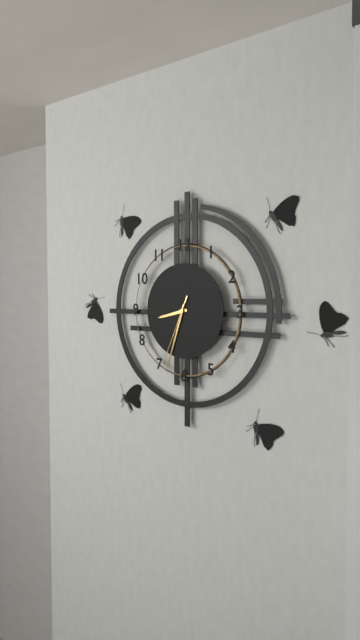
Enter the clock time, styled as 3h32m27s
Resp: 8h33m34s
